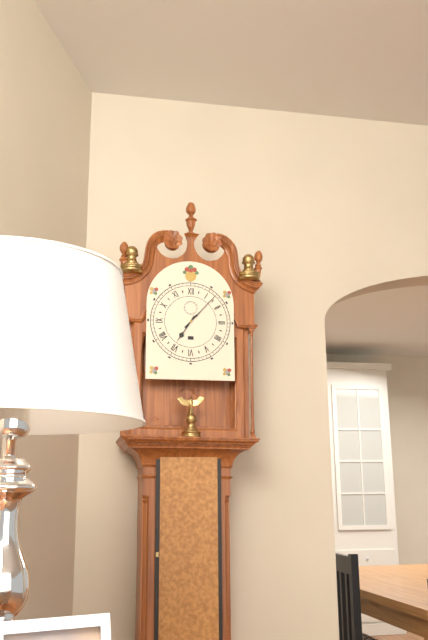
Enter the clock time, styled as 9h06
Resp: 7h07
